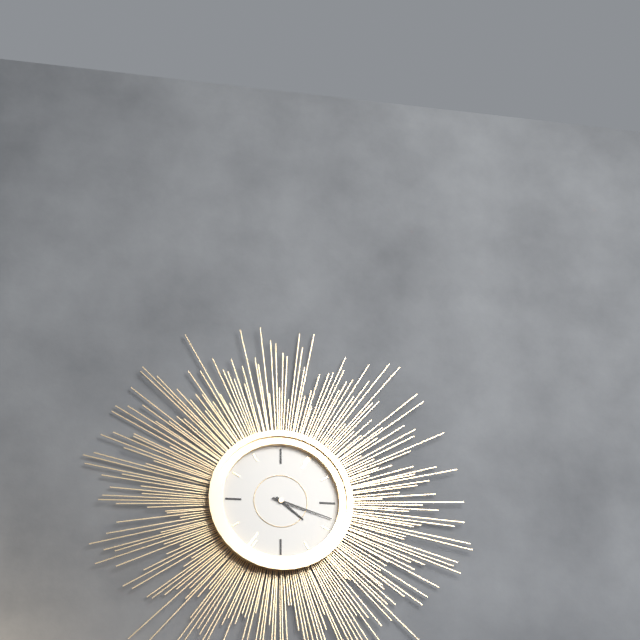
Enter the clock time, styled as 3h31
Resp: 4h18
